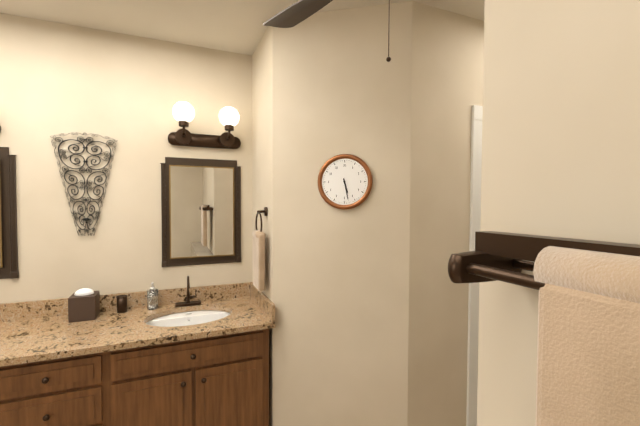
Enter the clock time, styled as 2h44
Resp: 5h28
